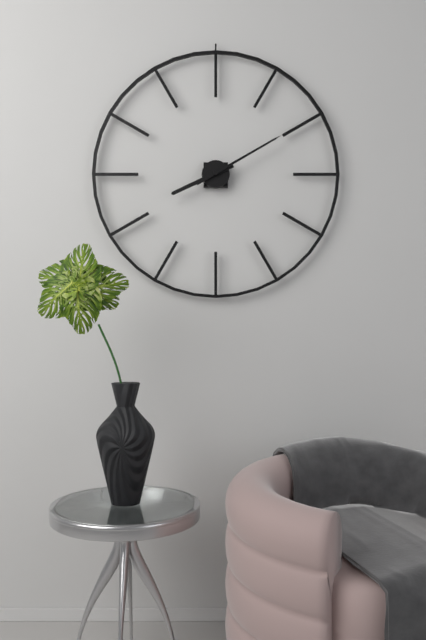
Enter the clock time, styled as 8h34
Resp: 8h10
